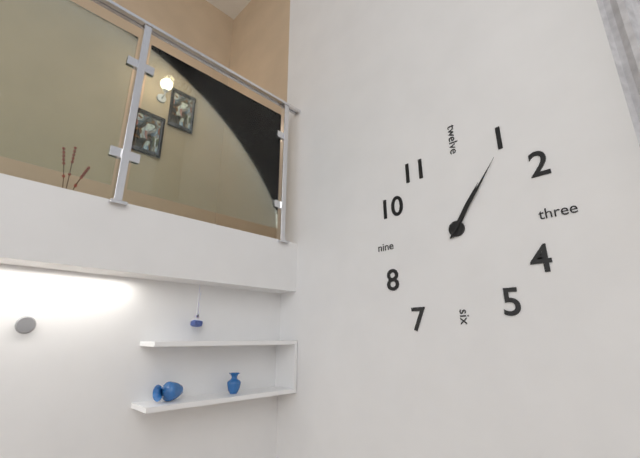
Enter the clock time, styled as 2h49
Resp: 1h06
